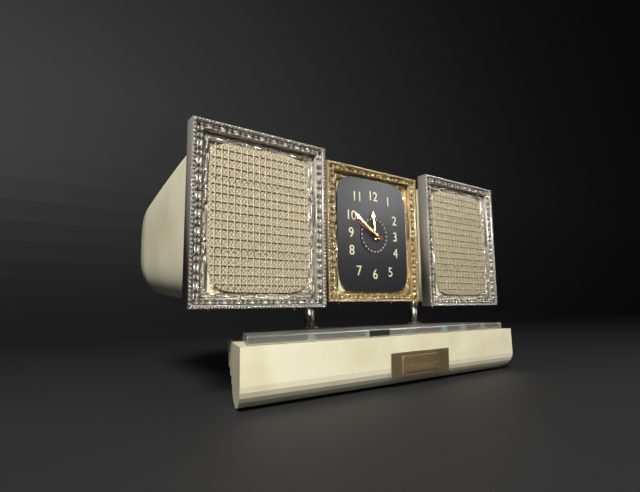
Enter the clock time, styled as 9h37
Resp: 11h51
